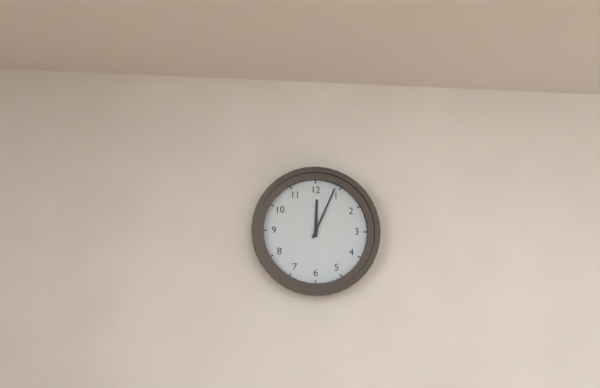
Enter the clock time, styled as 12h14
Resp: 12h04
